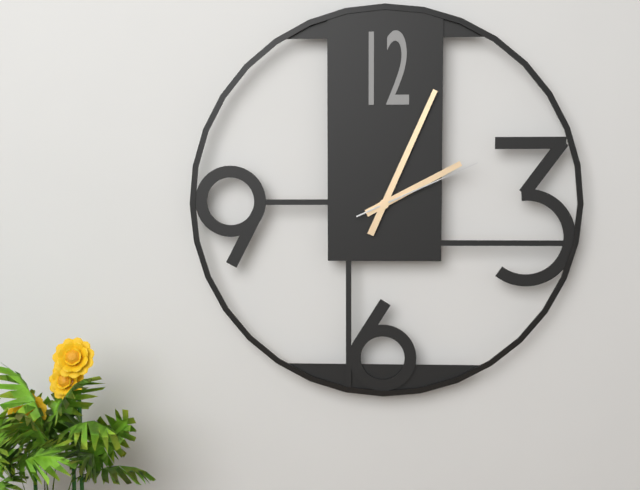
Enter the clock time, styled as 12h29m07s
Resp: 2h04m11s
